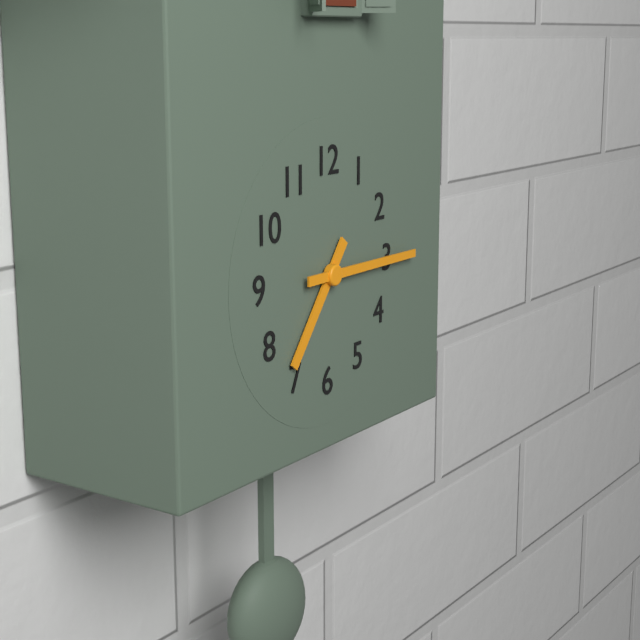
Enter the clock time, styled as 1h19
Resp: 7h15
